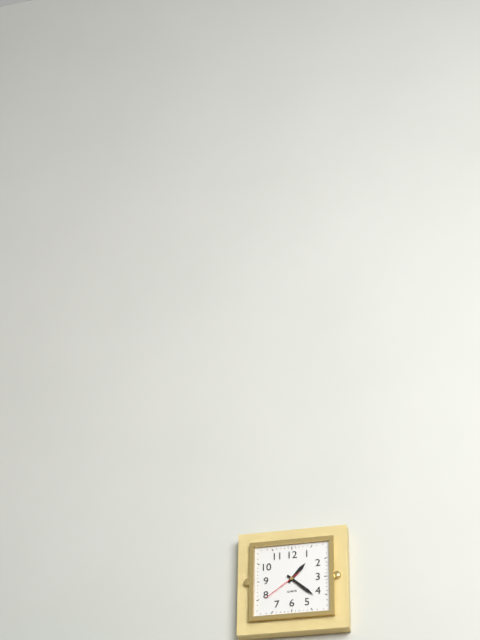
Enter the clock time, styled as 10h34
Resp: 1h22
